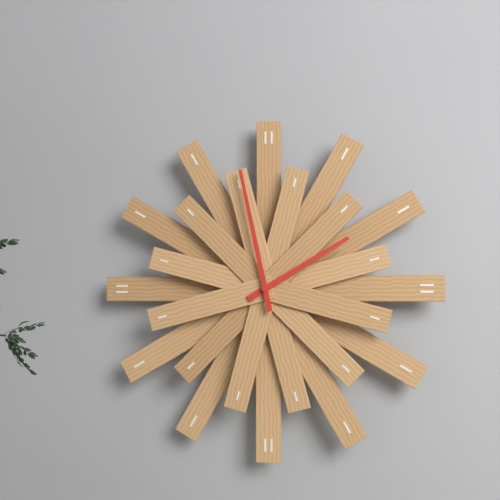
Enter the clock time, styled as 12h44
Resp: 1h58
